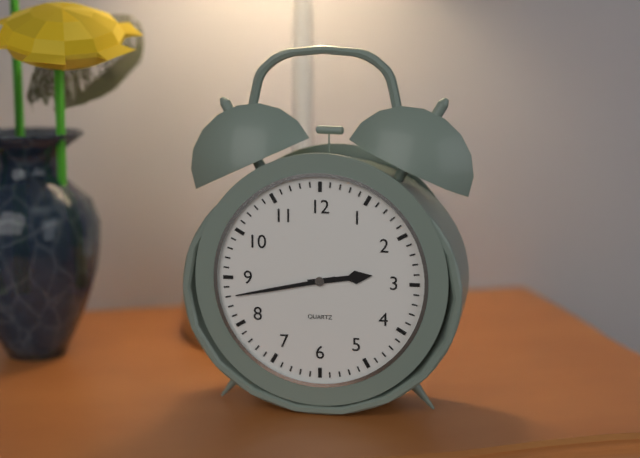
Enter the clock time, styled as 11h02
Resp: 2h43
